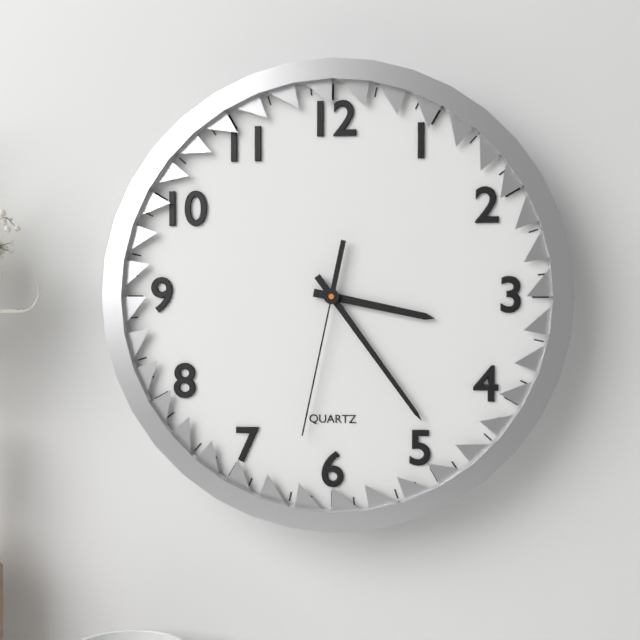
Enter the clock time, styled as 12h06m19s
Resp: 3h24m32s
